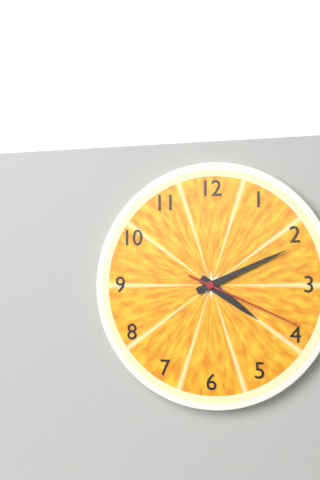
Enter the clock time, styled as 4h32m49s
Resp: 4h11m19s
